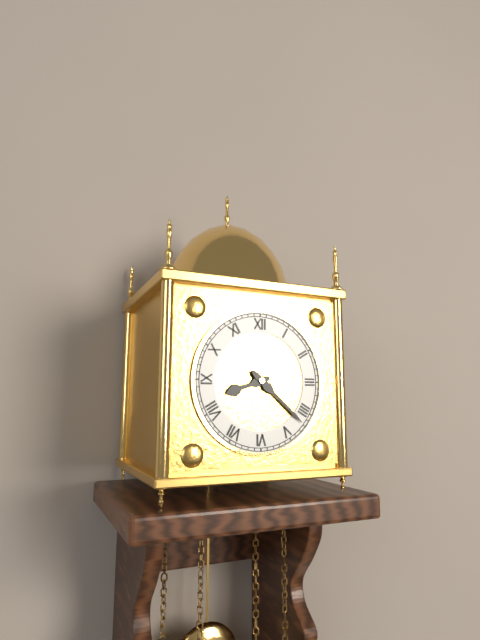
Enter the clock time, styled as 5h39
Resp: 8h22
